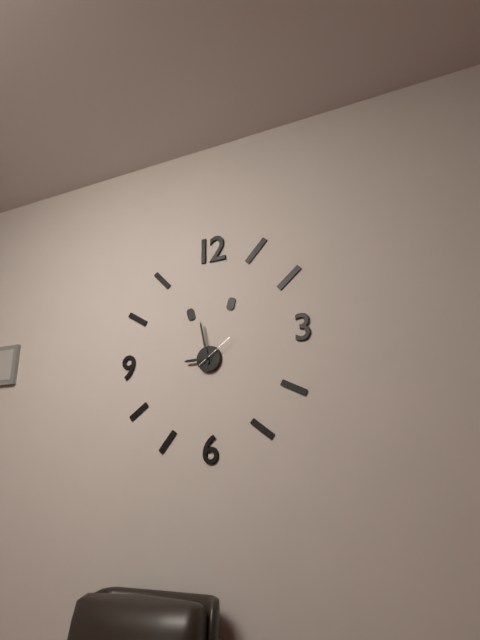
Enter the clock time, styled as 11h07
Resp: 8h58
